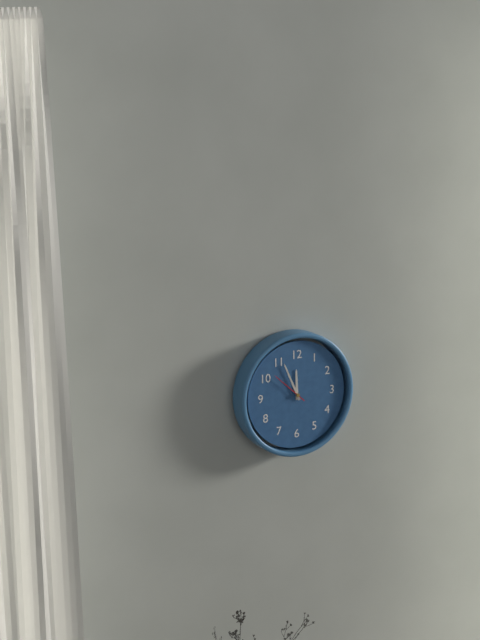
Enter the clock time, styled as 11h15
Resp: 11h56
